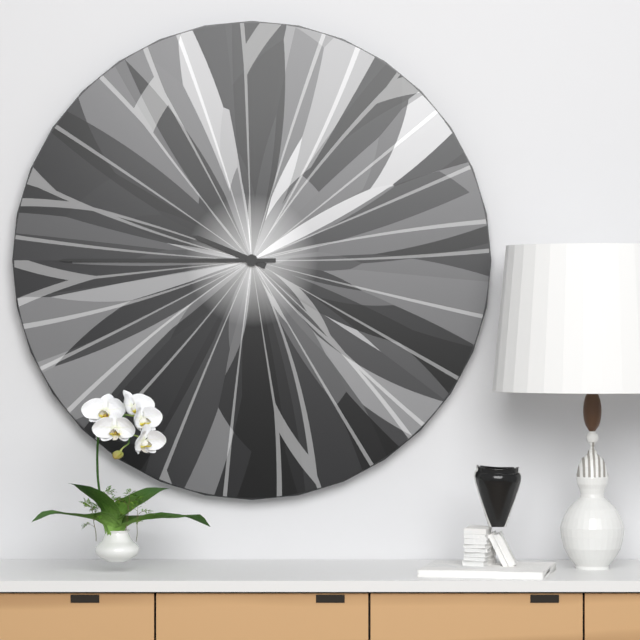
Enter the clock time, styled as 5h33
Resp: 9h45
